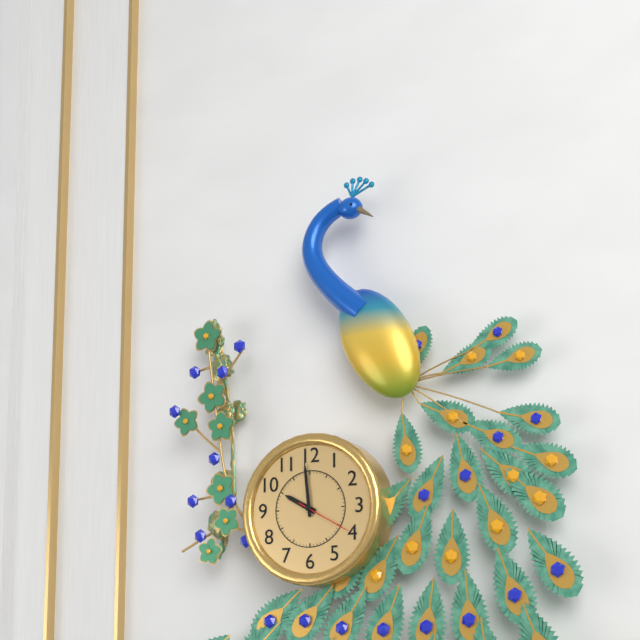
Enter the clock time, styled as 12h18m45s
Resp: 9h59m20s
